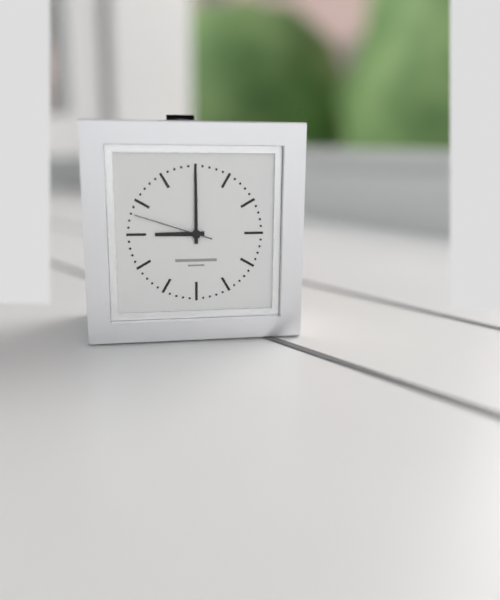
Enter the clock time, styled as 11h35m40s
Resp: 9h00m48s
